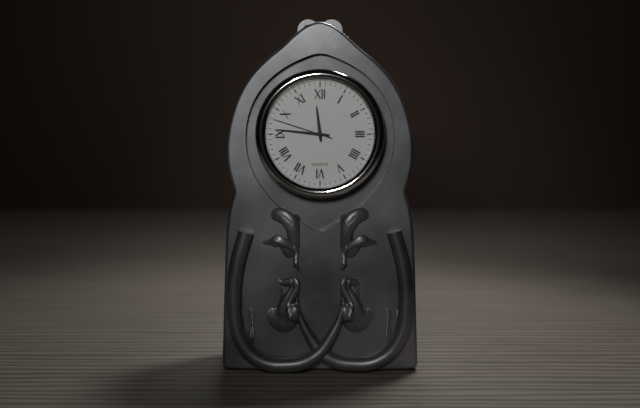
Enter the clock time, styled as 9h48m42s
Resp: 11h46m48s
